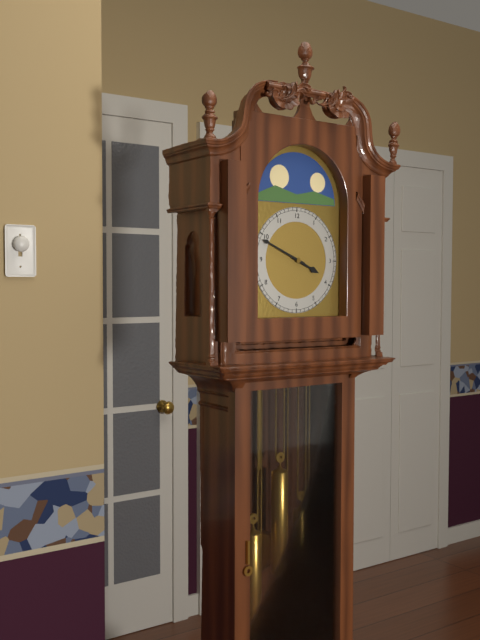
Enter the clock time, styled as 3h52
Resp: 3h49
